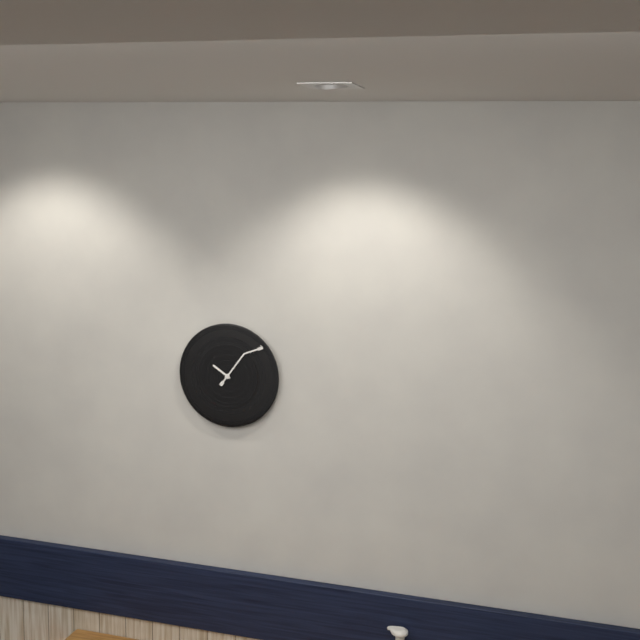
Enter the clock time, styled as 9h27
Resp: 10h06
